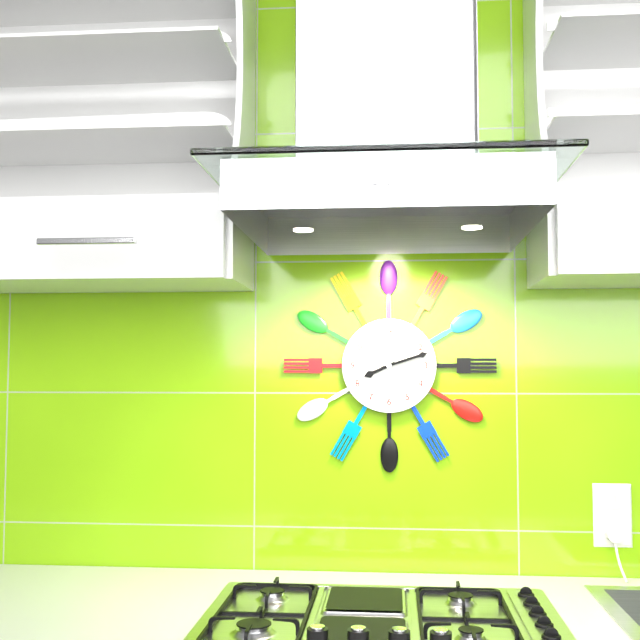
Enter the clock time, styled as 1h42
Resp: 8h12
